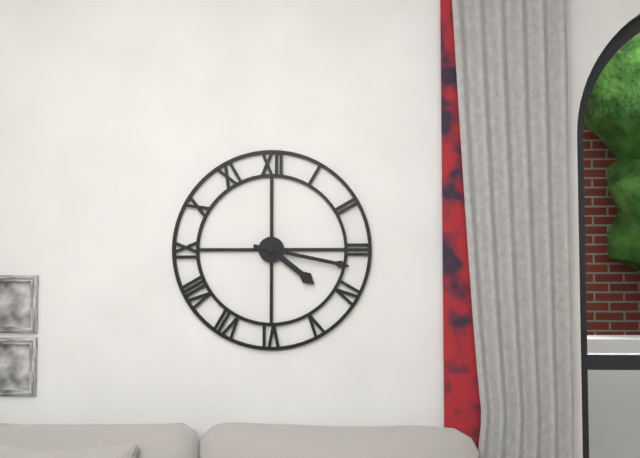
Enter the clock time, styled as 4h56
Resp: 4h17
